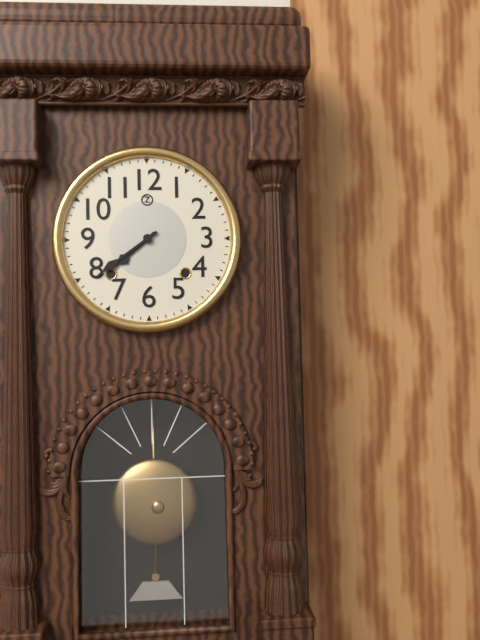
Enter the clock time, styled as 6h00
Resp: 7h39
